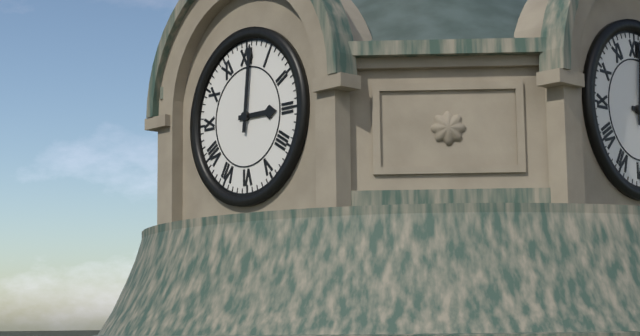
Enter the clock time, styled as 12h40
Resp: 3h01
